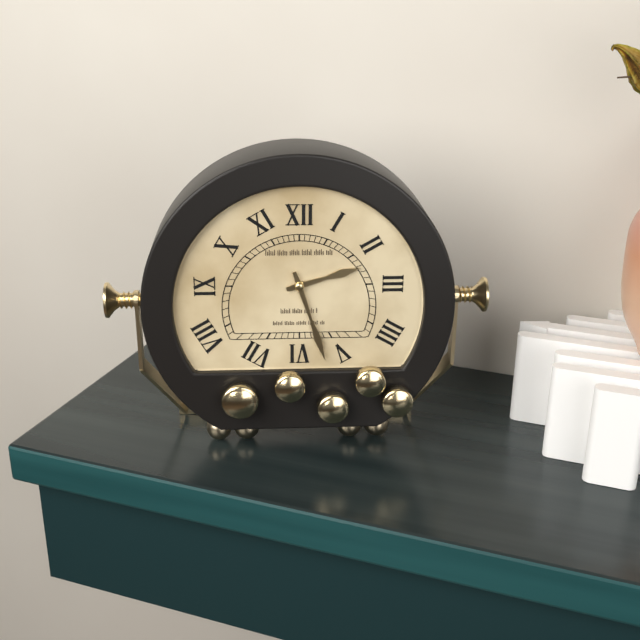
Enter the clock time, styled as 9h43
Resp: 2h27
